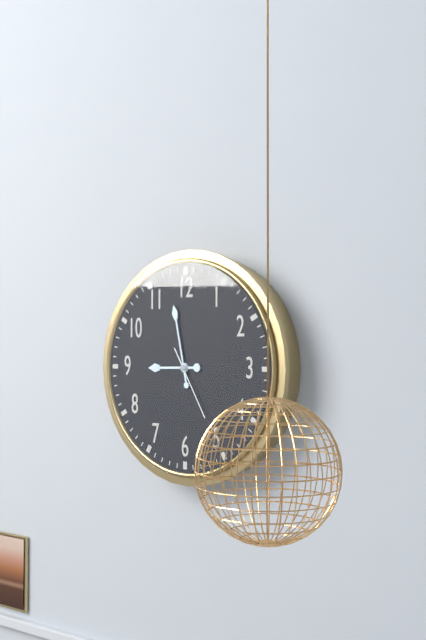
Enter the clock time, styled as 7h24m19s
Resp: 8h58m25s
